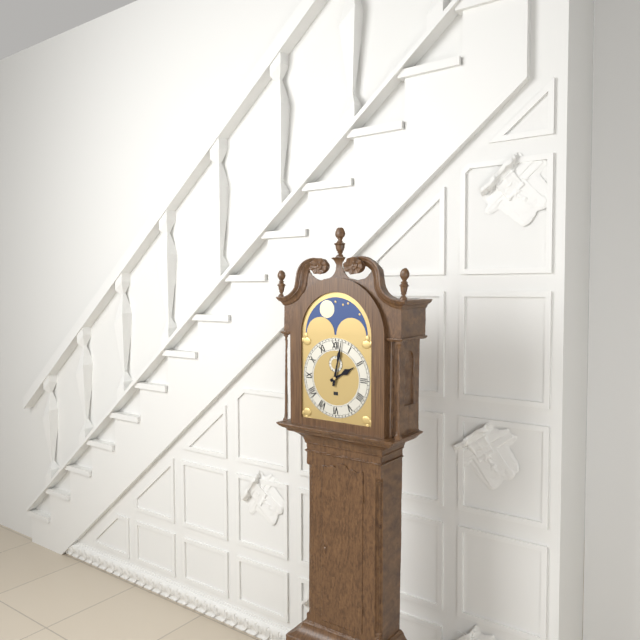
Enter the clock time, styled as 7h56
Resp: 2h02
